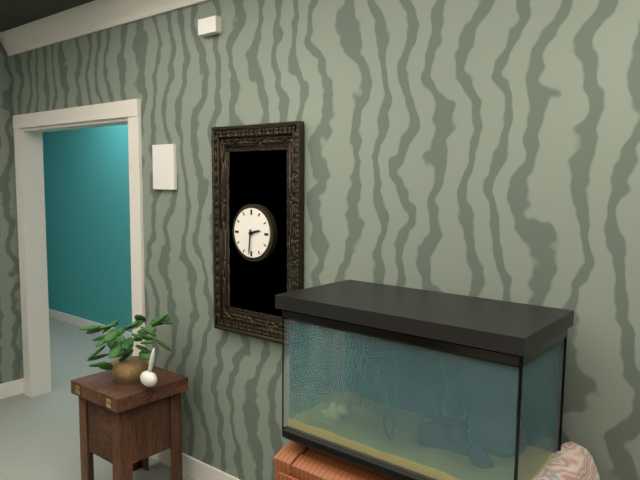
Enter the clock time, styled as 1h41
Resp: 2h31
